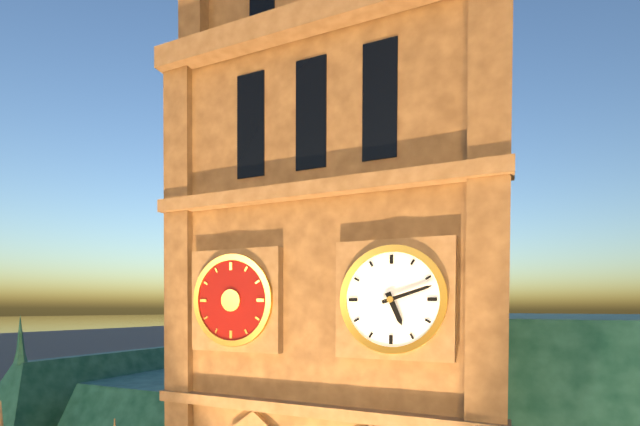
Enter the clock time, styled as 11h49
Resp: 5h12
